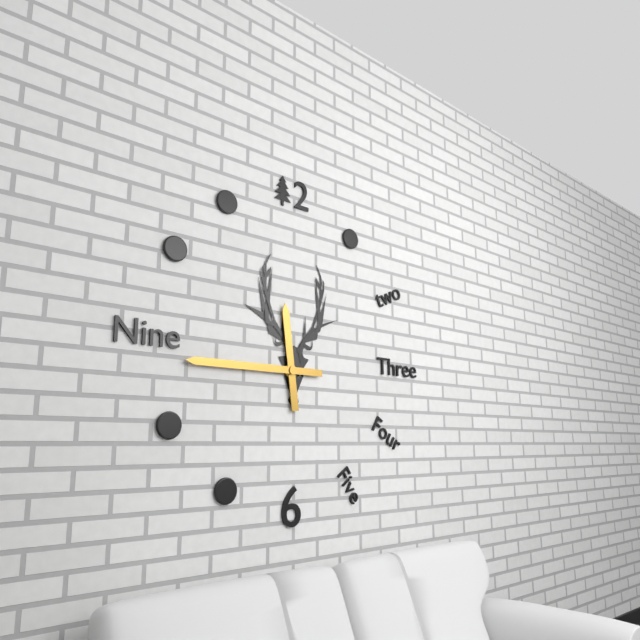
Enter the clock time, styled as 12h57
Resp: 11h45
